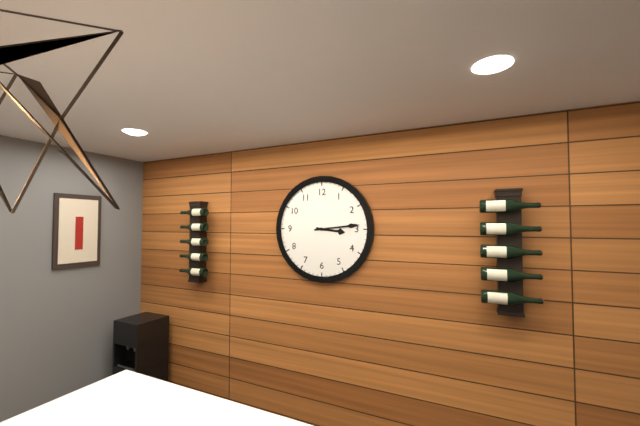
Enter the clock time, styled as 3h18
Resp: 3h14
